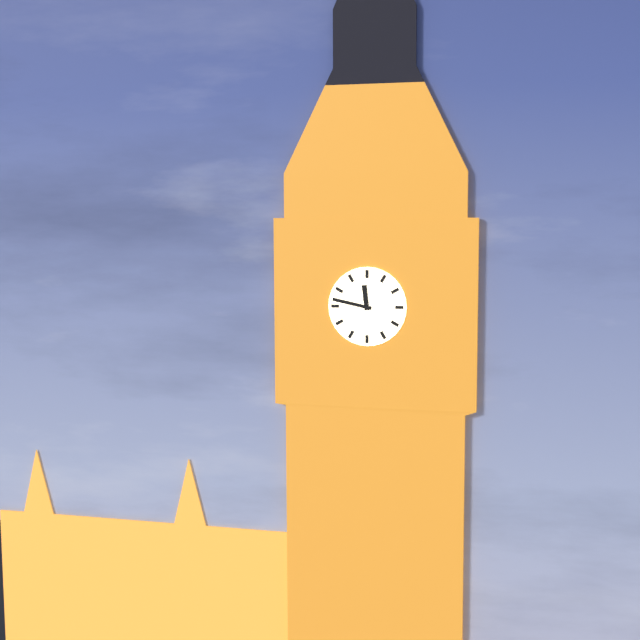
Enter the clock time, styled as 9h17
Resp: 11h47
